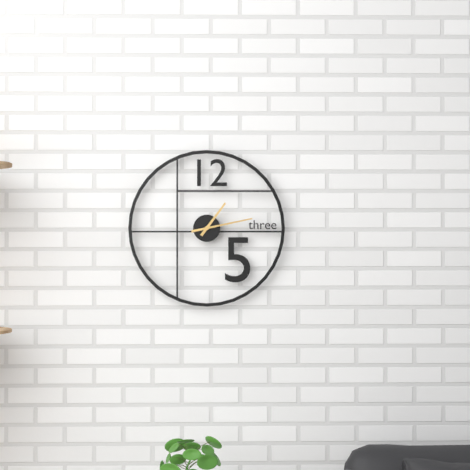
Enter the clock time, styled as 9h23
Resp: 1h13
